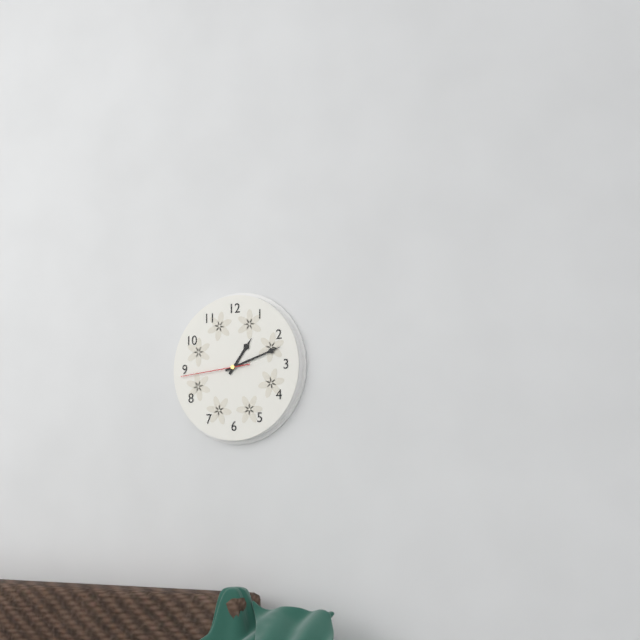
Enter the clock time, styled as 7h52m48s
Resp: 1h12m44s
